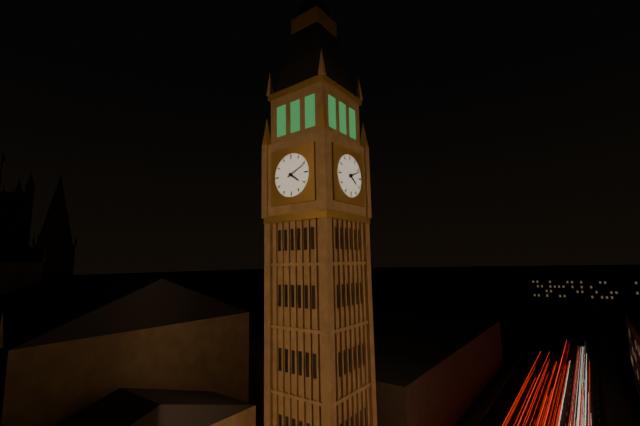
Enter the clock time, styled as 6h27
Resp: 4h11
